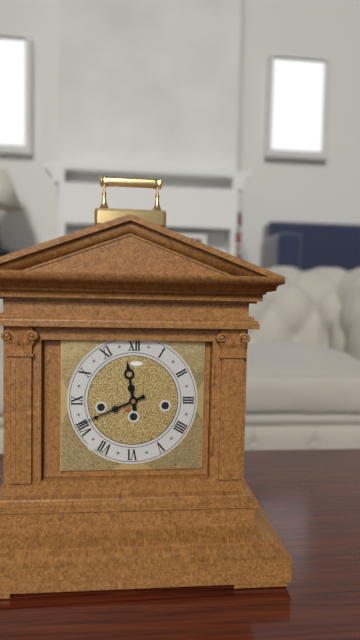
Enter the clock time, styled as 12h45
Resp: 11h41
